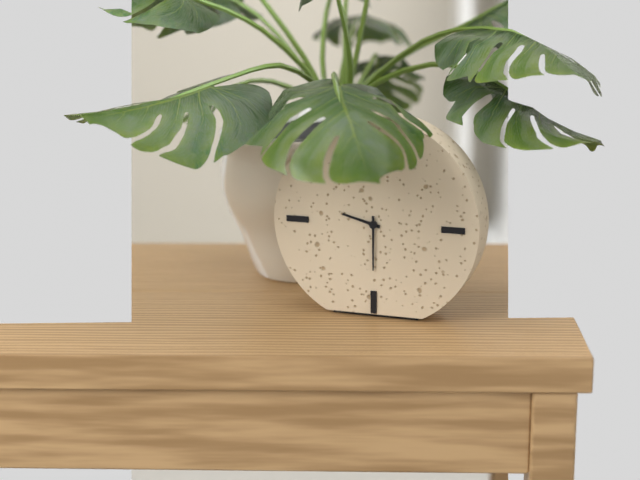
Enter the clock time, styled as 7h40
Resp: 9h30
